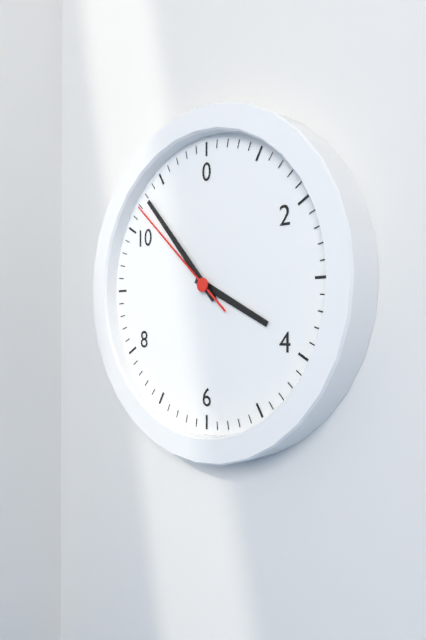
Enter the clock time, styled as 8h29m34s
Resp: 3h53m52s
